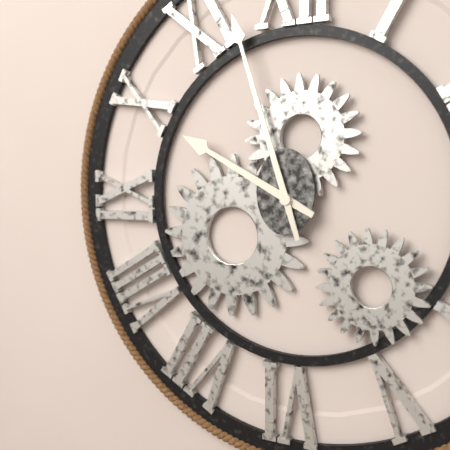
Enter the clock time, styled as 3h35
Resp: 9h57
